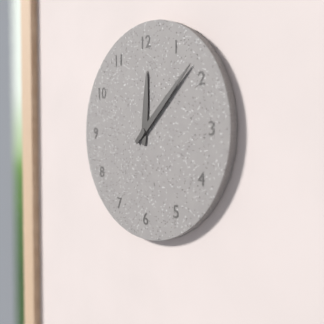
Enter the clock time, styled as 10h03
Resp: 12h08
